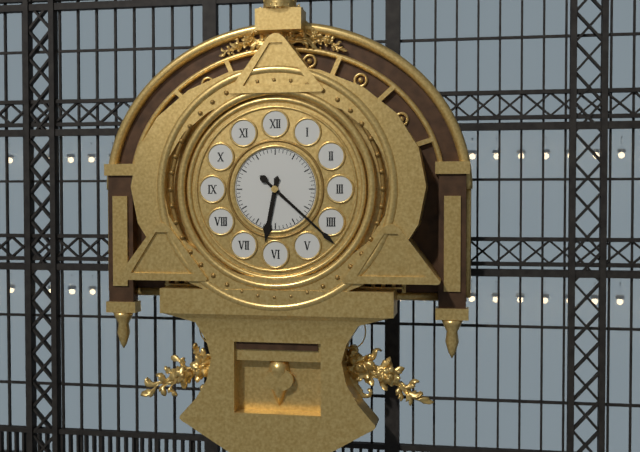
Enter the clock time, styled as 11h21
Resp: 6h22
